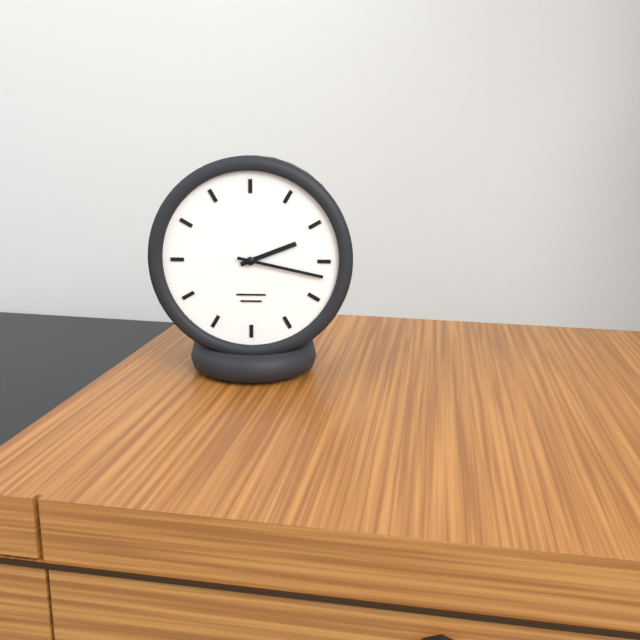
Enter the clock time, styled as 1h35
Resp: 2h17
